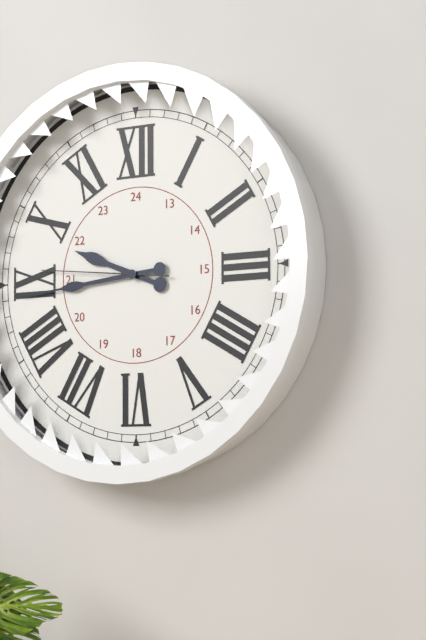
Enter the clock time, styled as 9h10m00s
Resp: 9h44m46s
